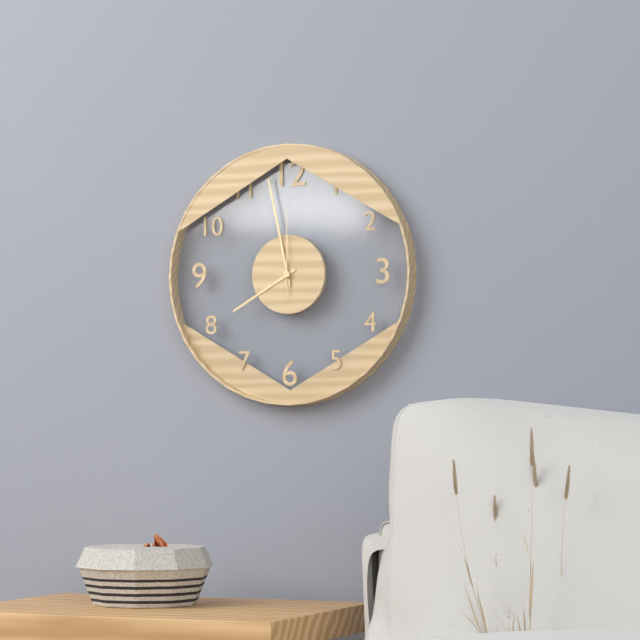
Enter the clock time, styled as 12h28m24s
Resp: 7h58m00s
